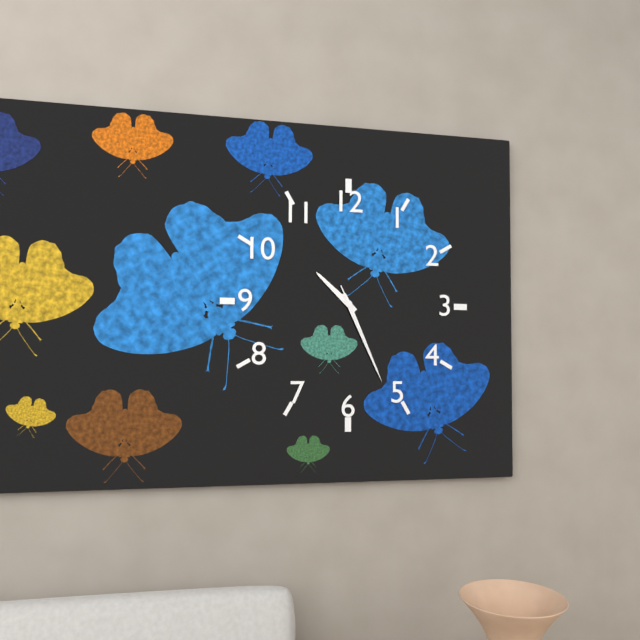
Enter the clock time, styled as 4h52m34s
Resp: 10h26m26s
